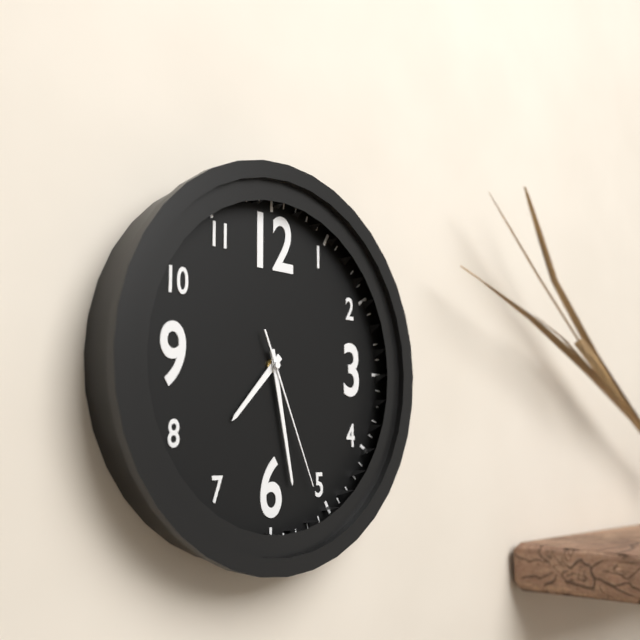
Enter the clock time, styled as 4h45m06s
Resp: 7h28m26s
